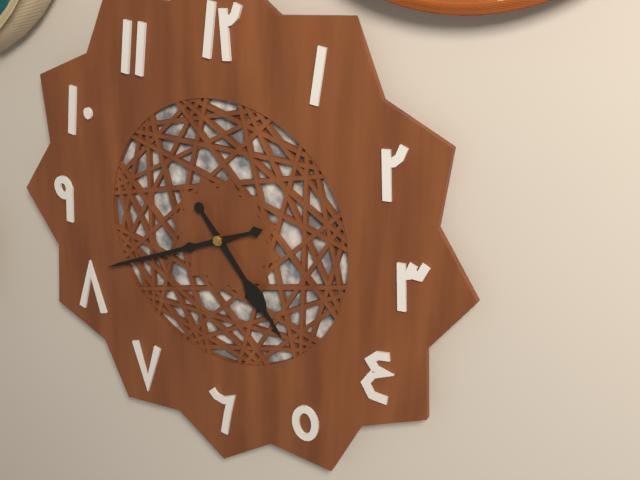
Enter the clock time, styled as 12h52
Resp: 4h41
